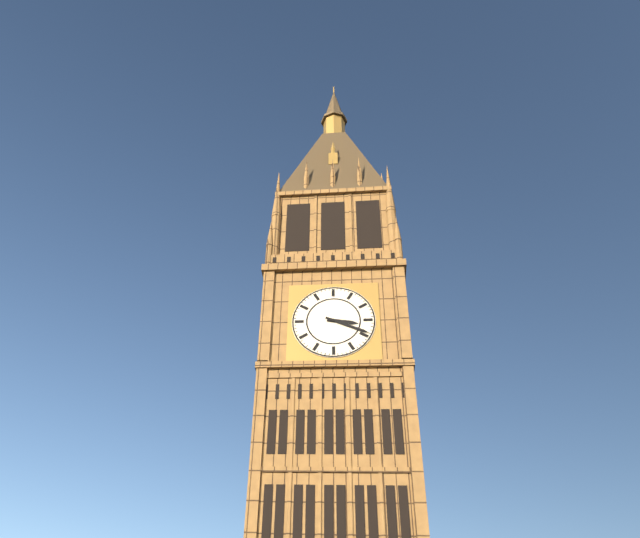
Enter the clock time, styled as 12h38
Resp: 3h19
